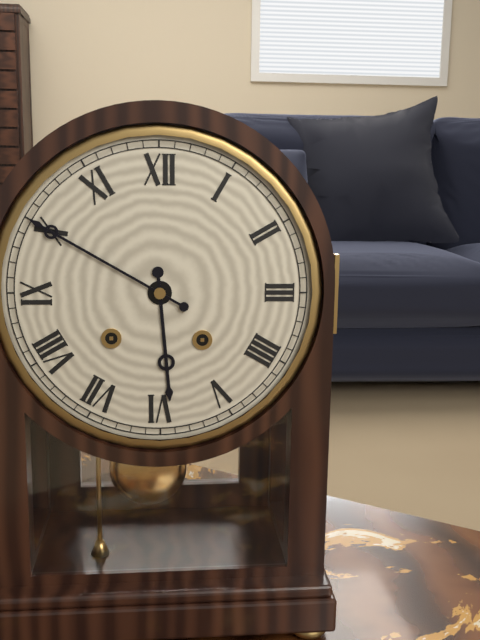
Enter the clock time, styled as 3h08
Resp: 5h50
